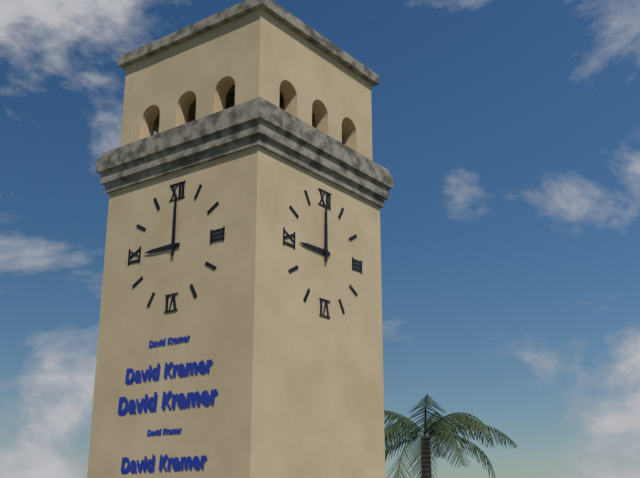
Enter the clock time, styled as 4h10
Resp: 9h00
